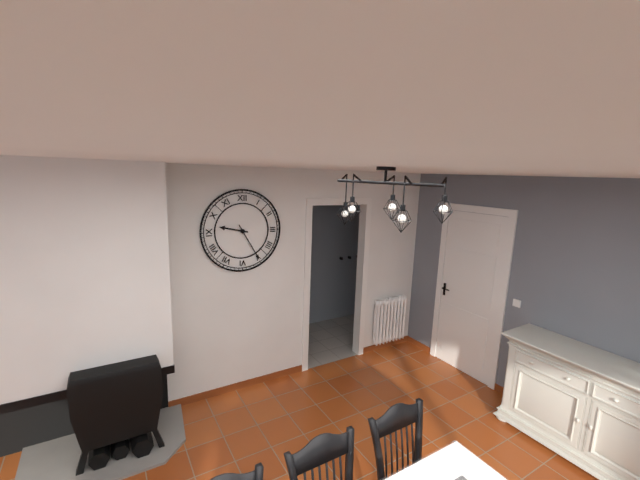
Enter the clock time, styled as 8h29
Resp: 9h25
